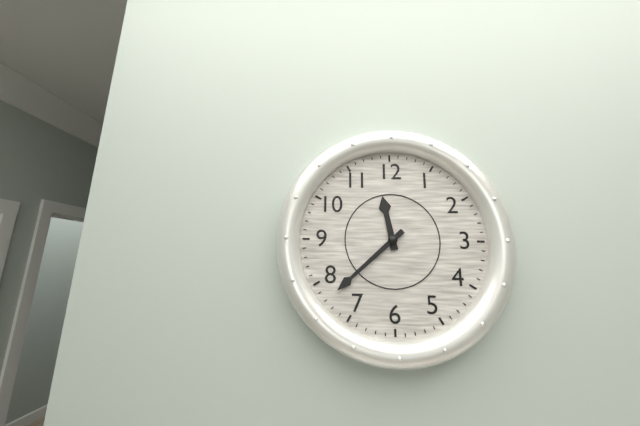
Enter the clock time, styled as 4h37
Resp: 11h38
